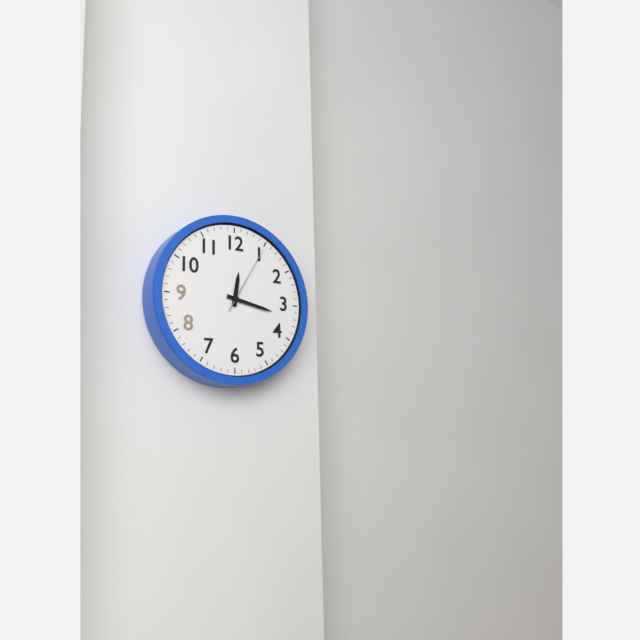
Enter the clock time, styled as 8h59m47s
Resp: 12h17m05s
